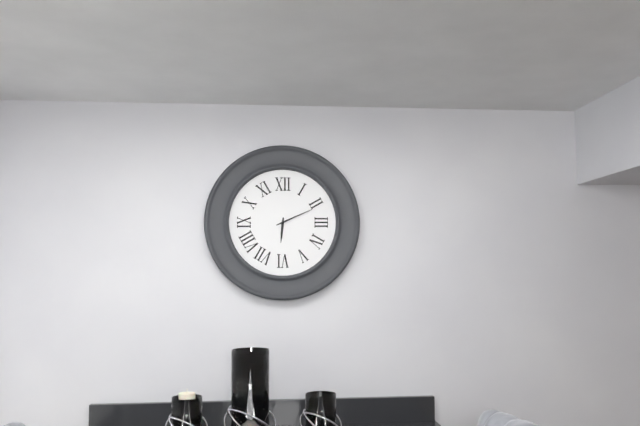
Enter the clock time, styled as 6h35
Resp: 6h11
